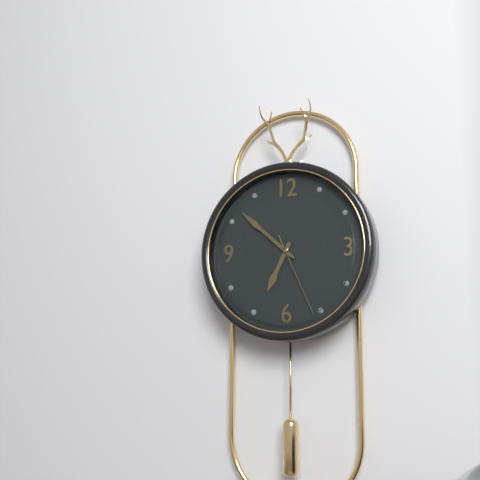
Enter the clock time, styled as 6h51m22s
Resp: 6h52m26s
